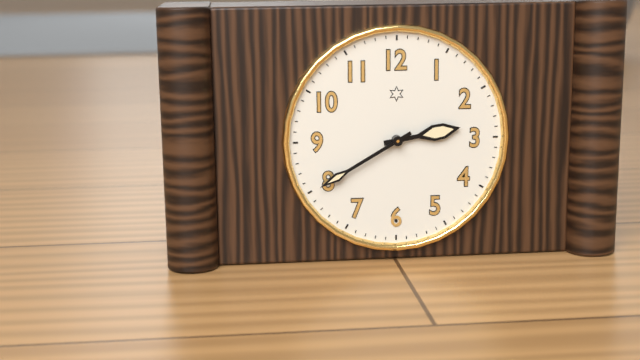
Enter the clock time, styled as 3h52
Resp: 2h40
